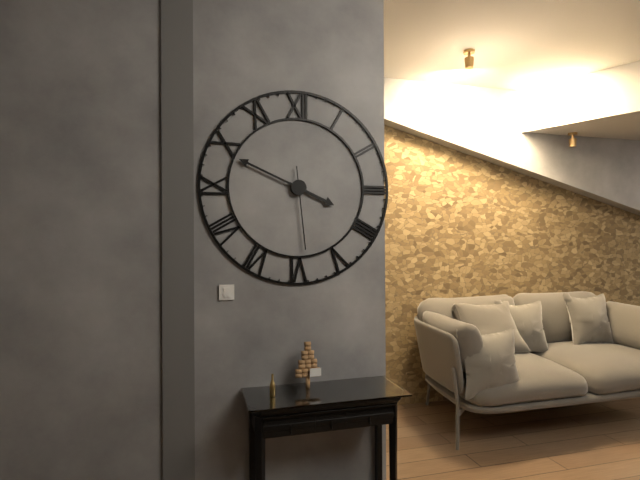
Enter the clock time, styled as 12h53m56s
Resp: 3h49m29s
